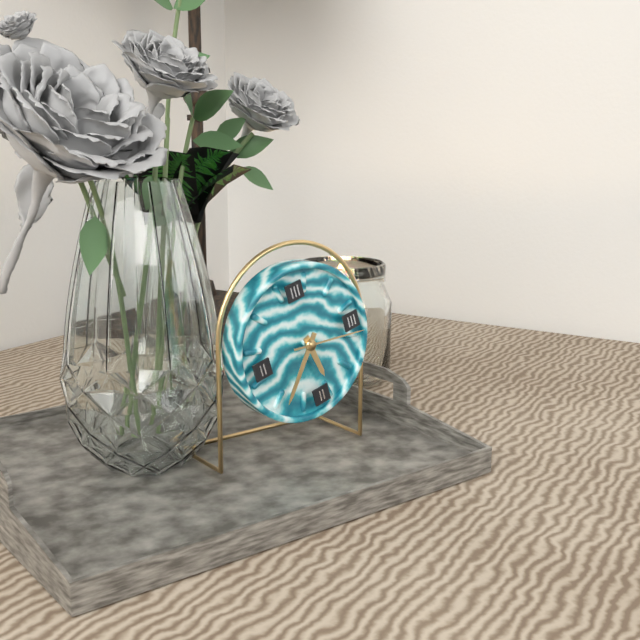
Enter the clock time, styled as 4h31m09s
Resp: 5h37m17s
